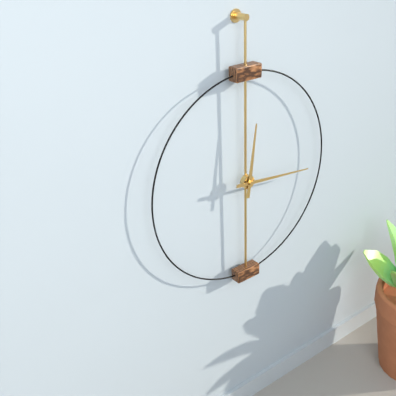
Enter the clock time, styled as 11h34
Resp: 12h16
